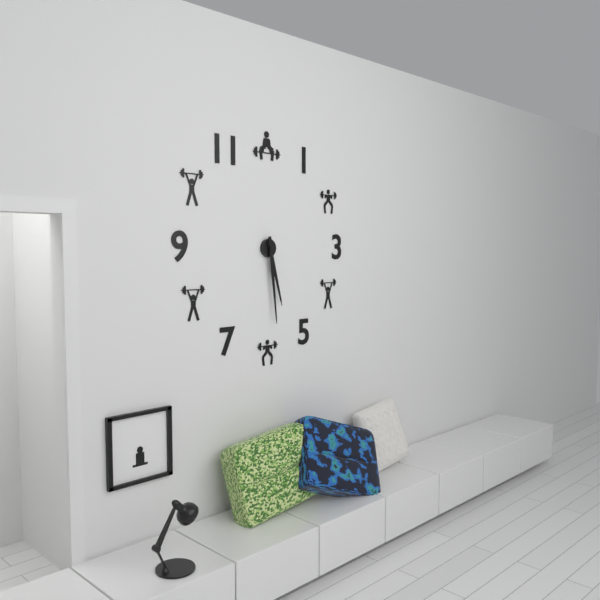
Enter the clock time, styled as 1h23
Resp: 5h29
